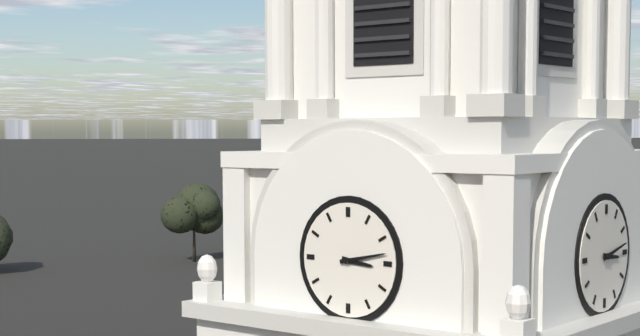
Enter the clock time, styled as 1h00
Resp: 3h13
